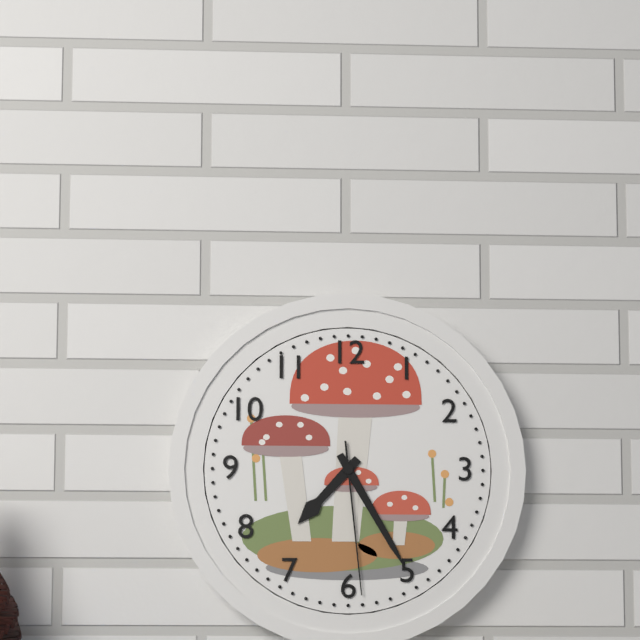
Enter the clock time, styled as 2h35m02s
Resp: 7h25m29s
